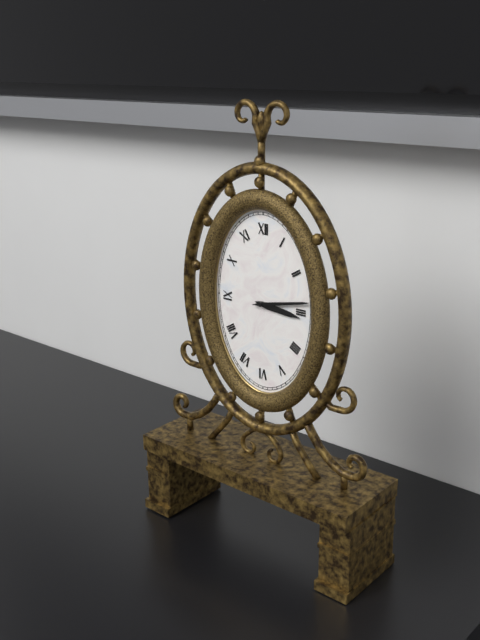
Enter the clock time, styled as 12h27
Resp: 3h13
